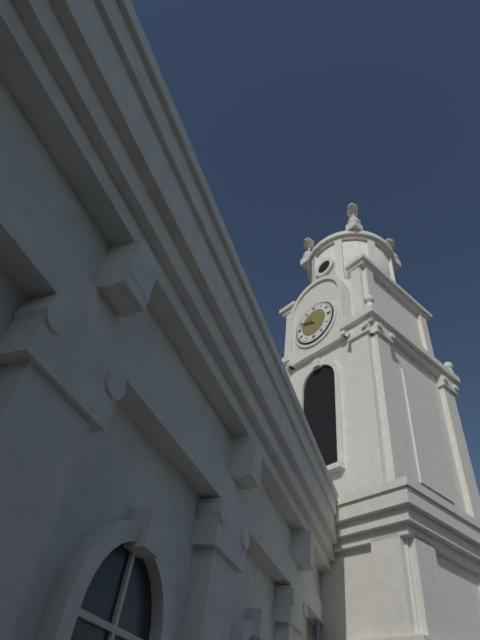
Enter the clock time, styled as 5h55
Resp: 9h48
